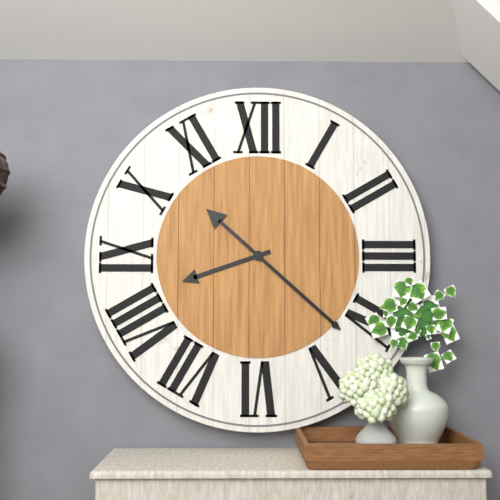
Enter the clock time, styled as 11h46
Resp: 8h22
